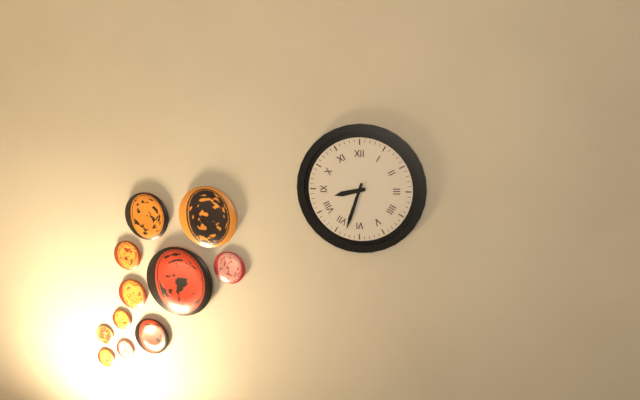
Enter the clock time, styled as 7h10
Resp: 8h33
